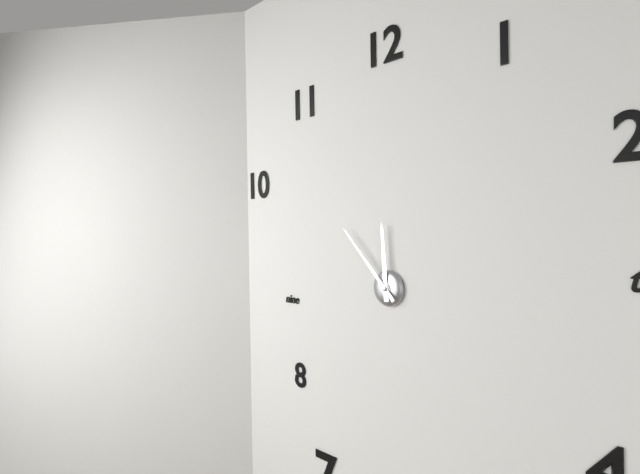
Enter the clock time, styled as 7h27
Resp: 11h53
